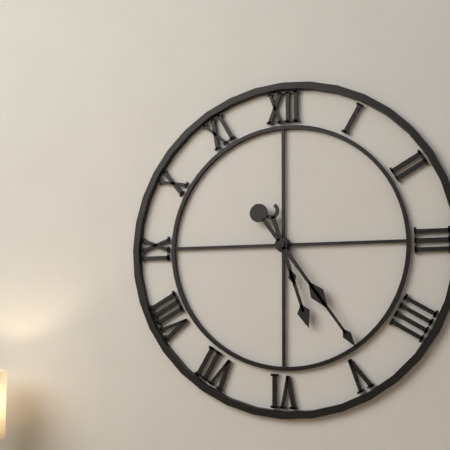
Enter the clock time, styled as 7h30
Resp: 5h24
